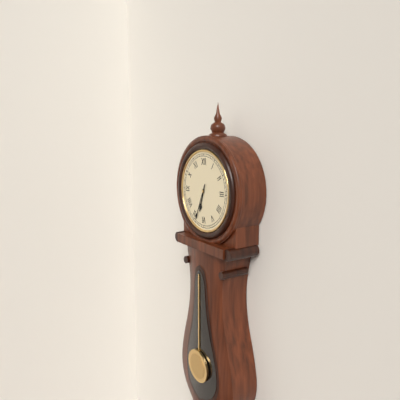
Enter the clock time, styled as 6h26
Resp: 6h34
